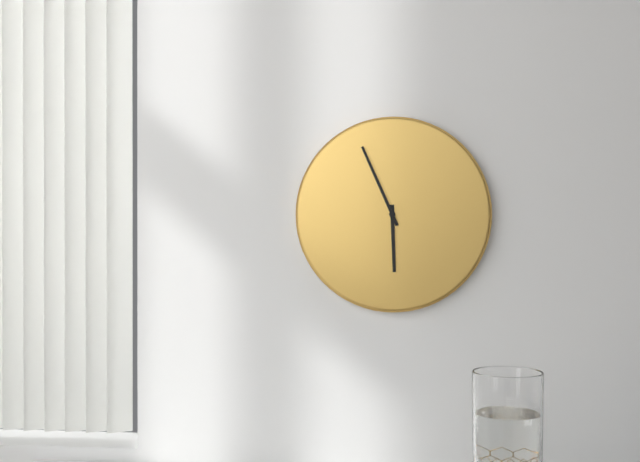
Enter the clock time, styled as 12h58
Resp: 5h56
